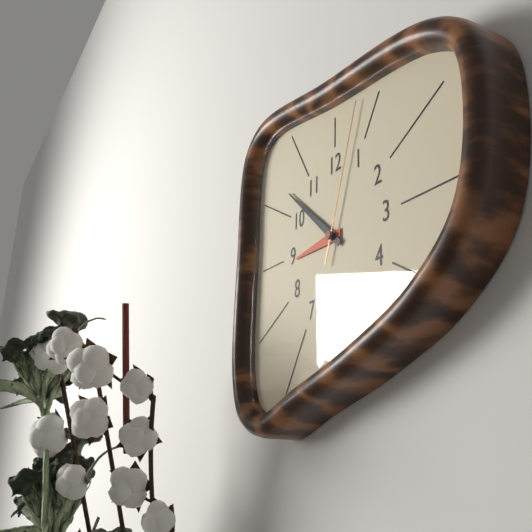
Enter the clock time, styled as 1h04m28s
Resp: 8h52m03s
